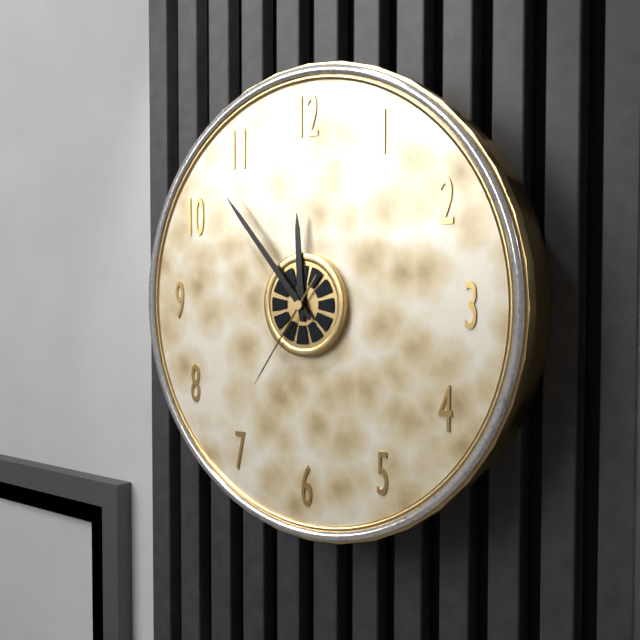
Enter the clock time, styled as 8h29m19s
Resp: 11h53m36s
